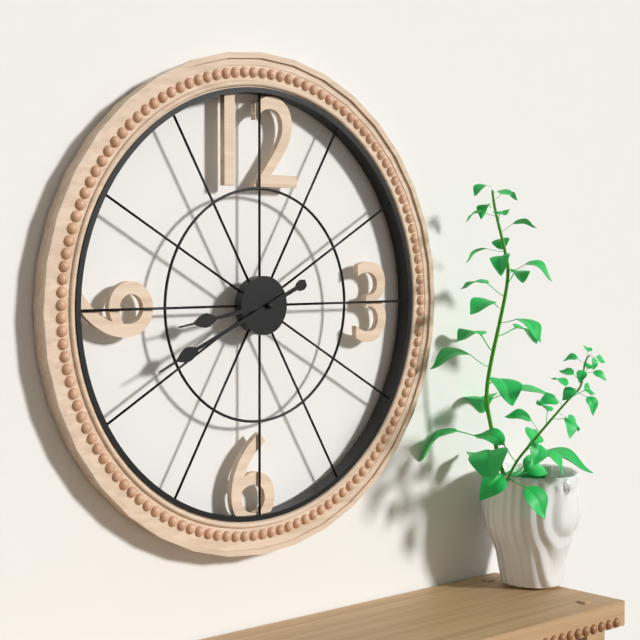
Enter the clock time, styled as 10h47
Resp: 8h41
